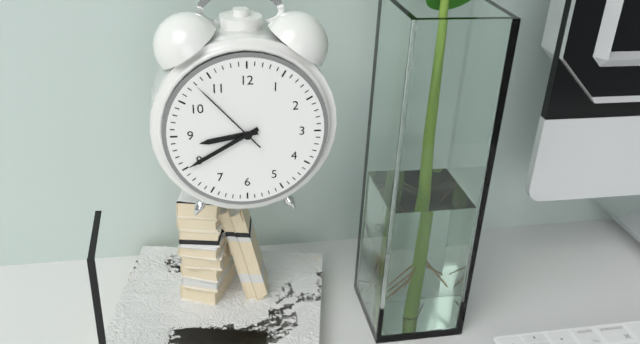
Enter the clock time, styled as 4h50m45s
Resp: 8h40m53s
